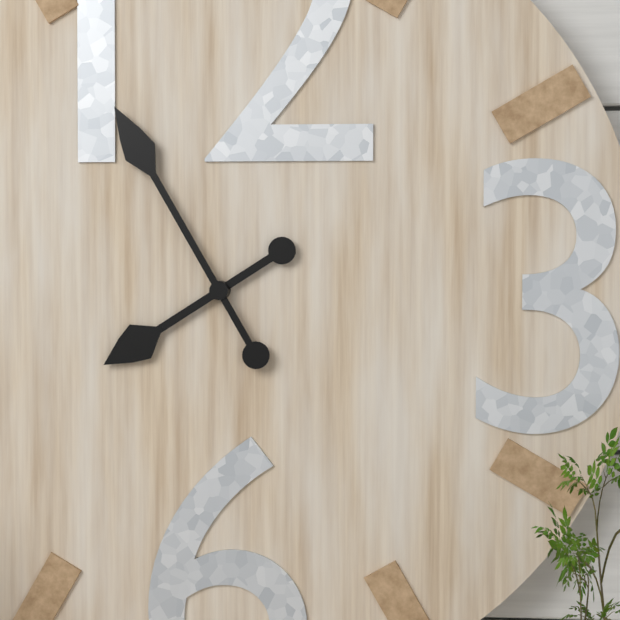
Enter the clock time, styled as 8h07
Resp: 7h55
